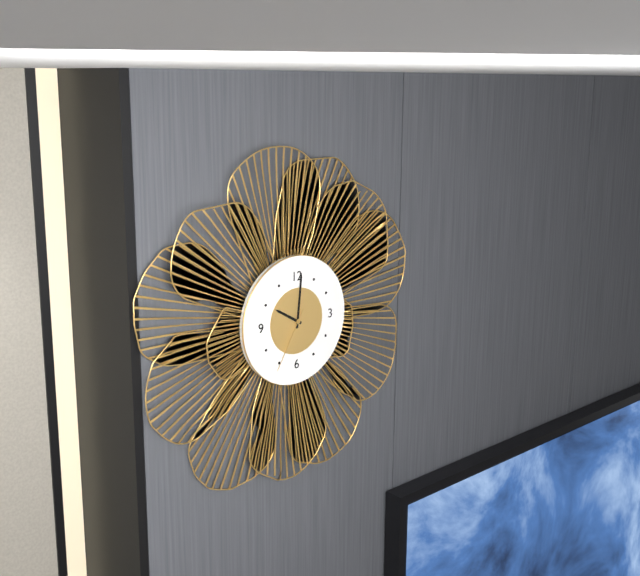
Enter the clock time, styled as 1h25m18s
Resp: 10h01m35s
